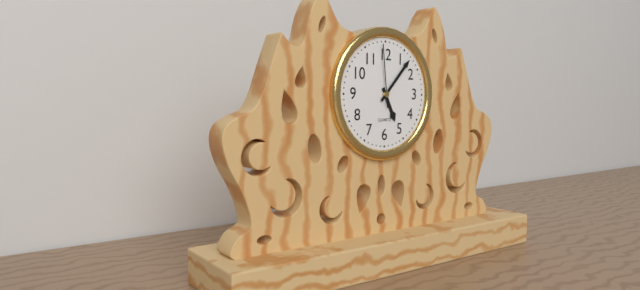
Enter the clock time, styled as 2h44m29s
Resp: 5h07m59s
